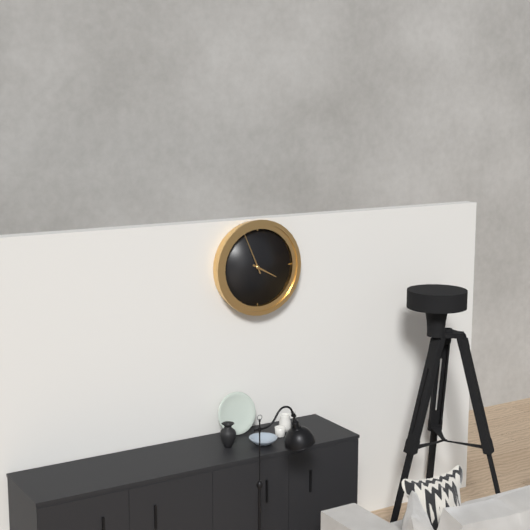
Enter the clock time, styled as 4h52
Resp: 3h56
